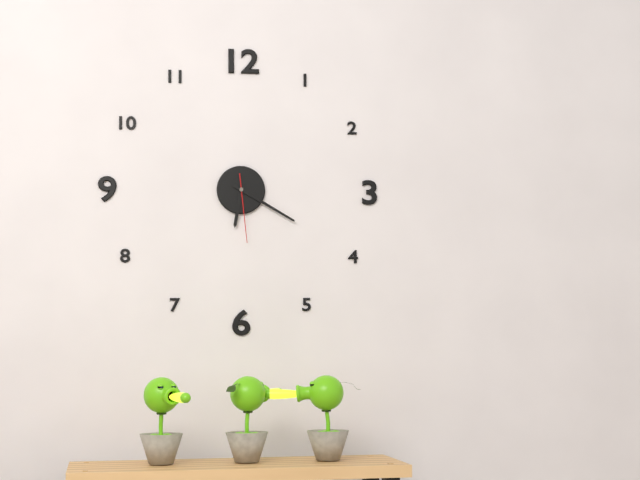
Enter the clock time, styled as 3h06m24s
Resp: 6h20m29s
